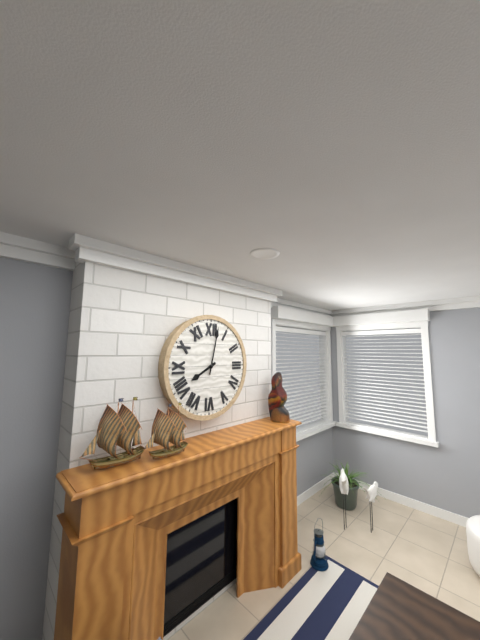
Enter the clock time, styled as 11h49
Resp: 8h02
